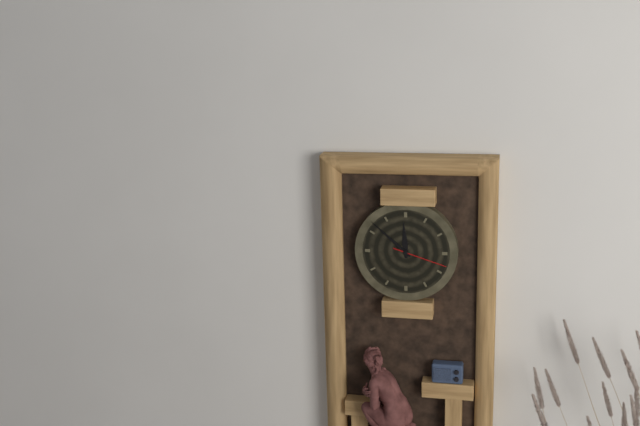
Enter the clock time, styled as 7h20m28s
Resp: 11h52m18s
